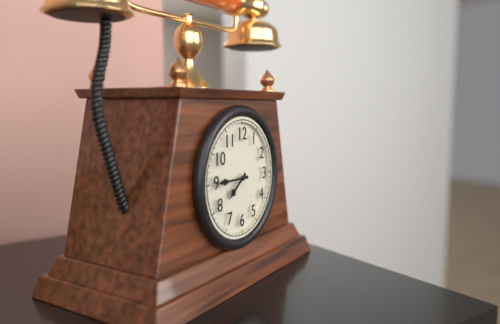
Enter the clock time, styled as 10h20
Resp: 7h45
